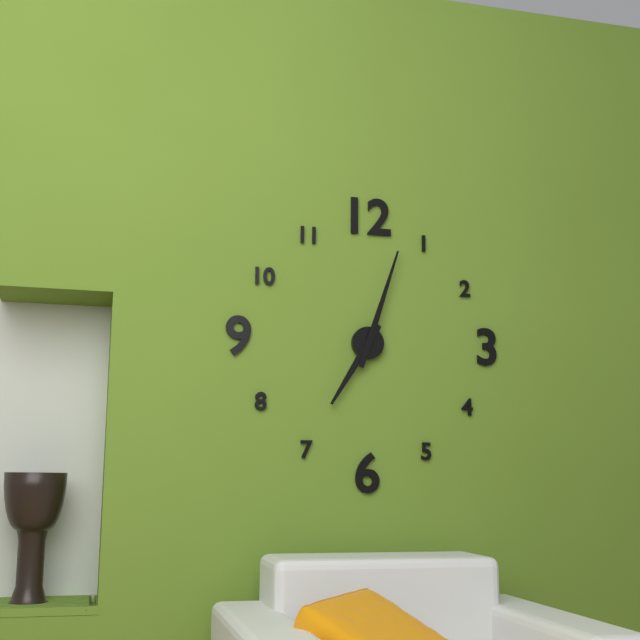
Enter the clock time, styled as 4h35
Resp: 7h03
